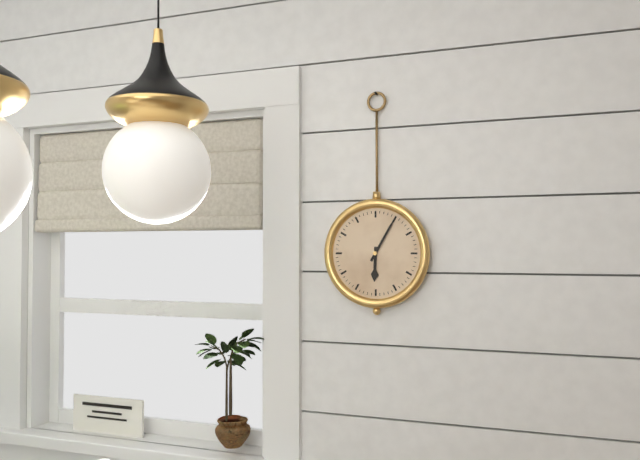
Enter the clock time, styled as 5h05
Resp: 6h05
